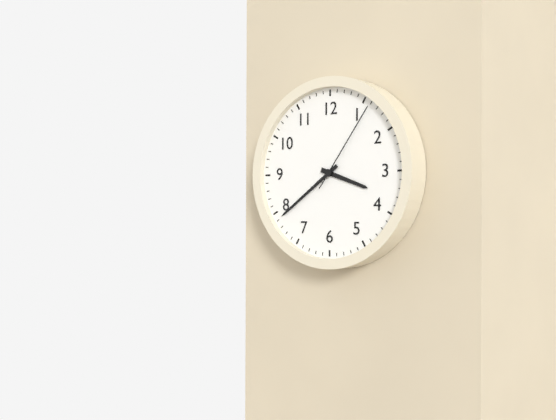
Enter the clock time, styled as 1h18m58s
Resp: 3h39m06s
